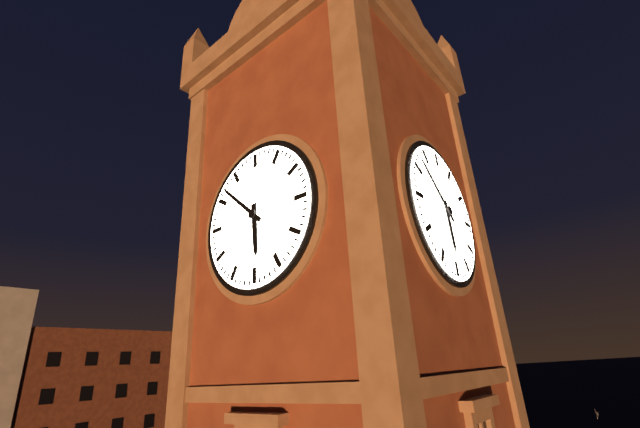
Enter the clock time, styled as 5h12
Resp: 5h52
